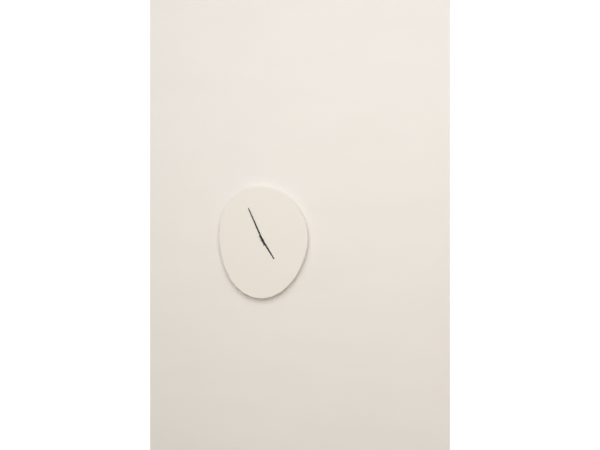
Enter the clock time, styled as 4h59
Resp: 4h56
